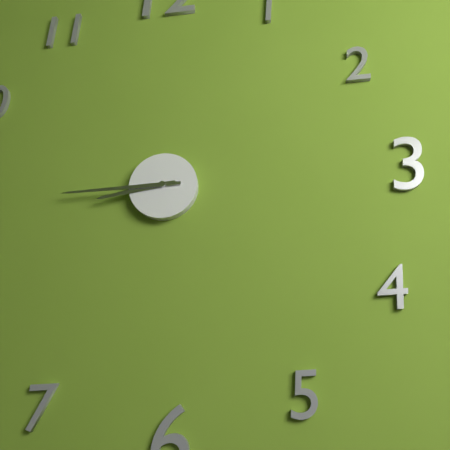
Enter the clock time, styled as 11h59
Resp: 8h45
